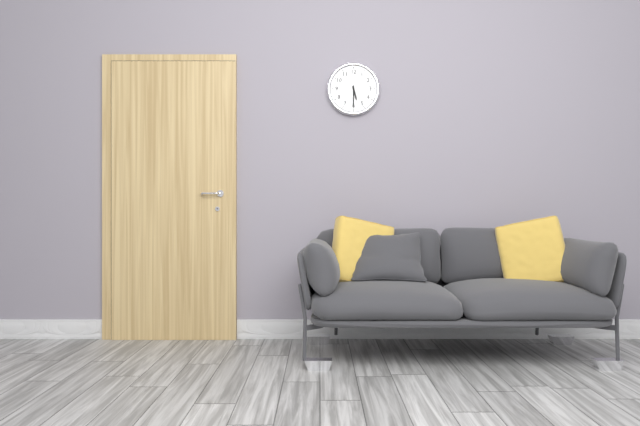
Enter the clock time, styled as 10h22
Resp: 5h30
